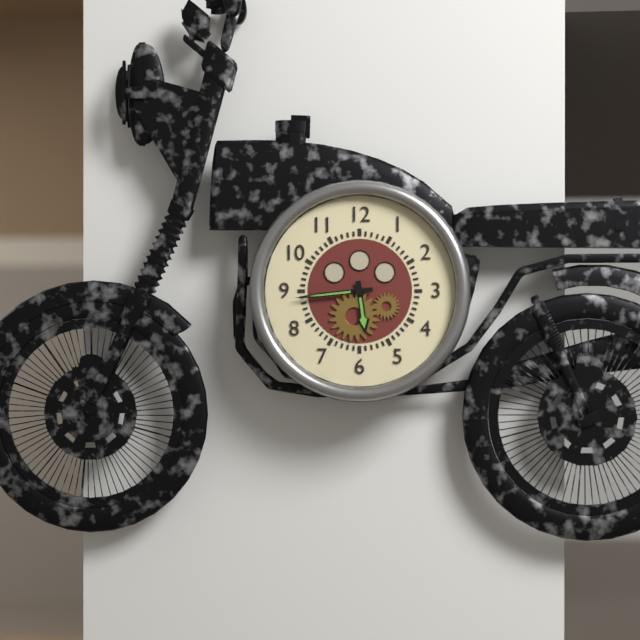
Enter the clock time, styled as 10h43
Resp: 5h44
